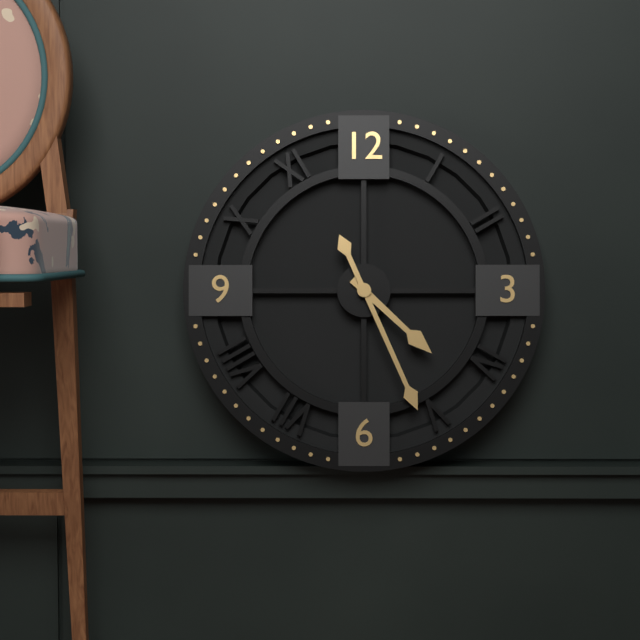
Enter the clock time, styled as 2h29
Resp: 4h26
